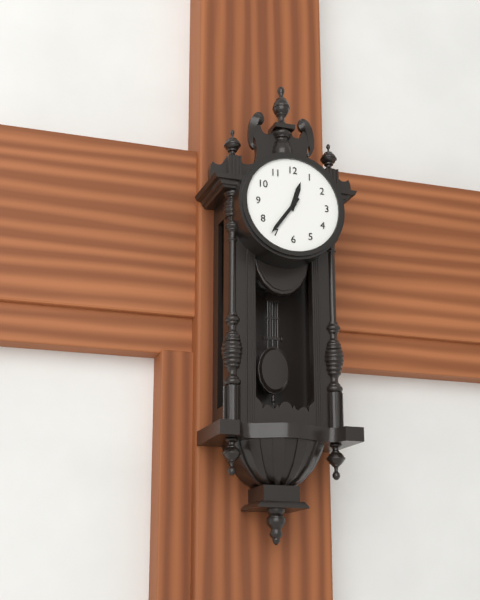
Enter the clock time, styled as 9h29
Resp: 12h36
